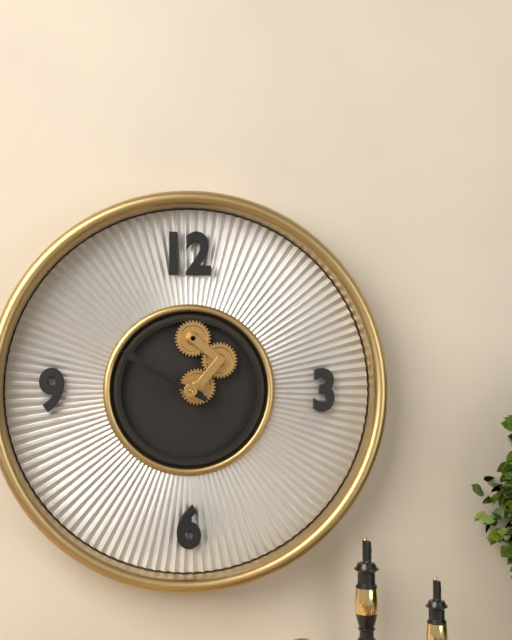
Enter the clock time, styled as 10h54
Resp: 9h50
